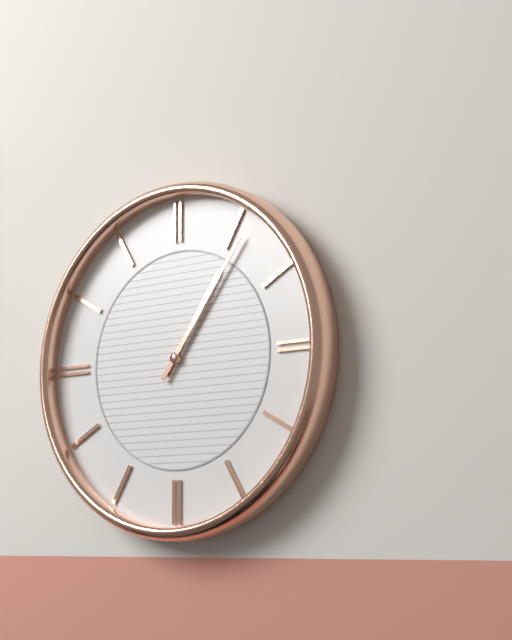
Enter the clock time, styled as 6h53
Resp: 1h06
